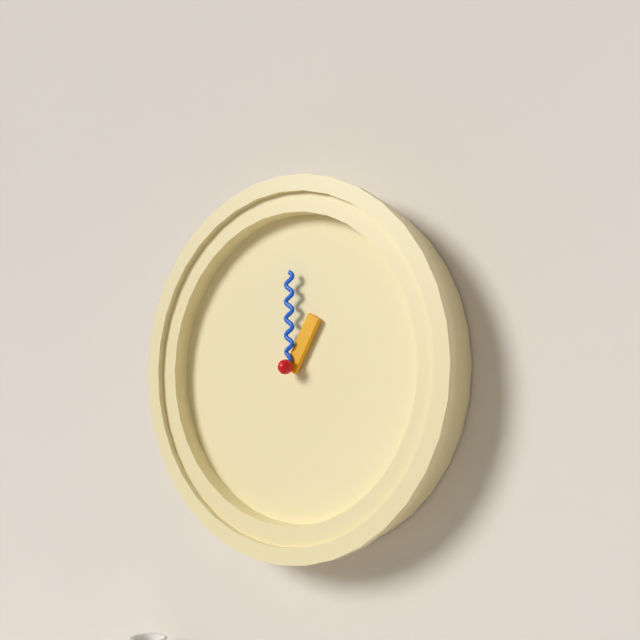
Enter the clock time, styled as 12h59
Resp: 1h00
